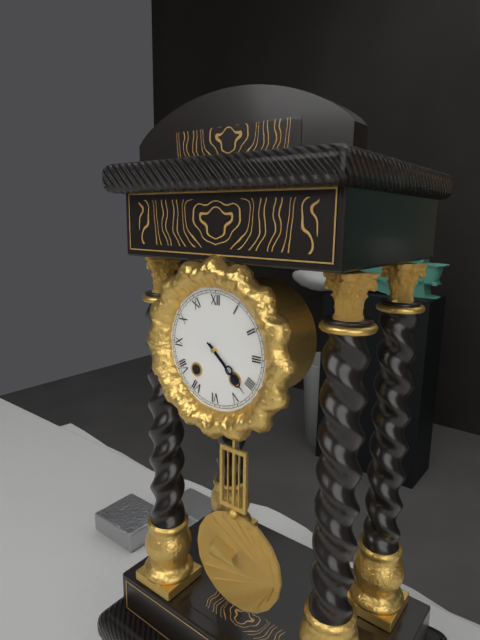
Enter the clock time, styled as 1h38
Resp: 4h22
